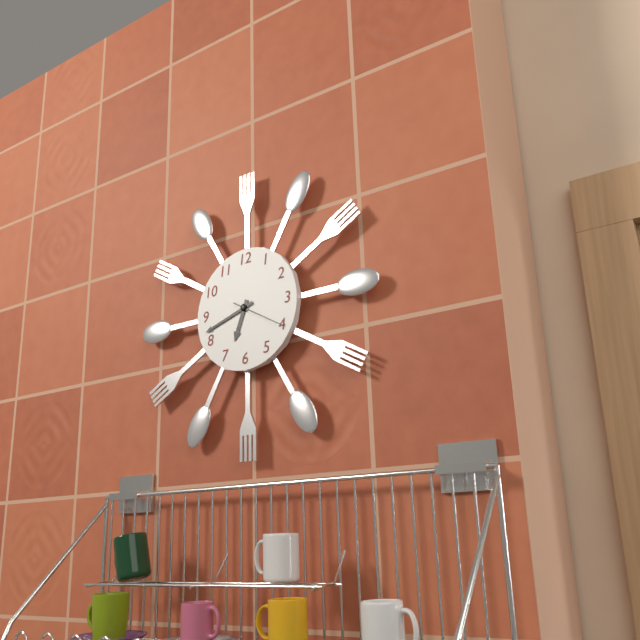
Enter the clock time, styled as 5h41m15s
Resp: 6h42m20s
